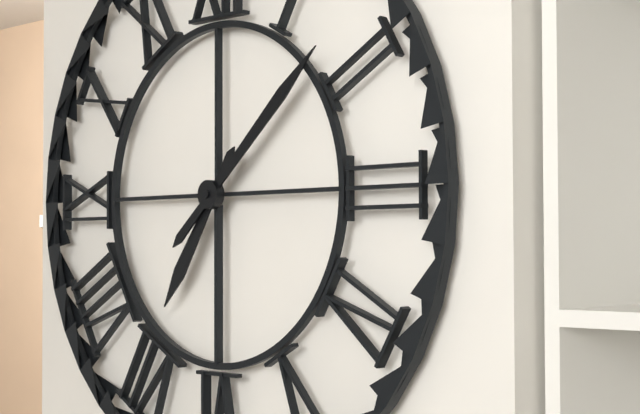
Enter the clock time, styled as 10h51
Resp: 7h08
